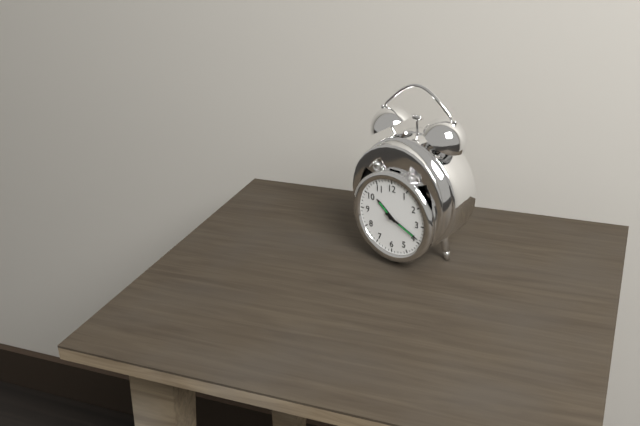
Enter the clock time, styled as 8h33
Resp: 10h19
